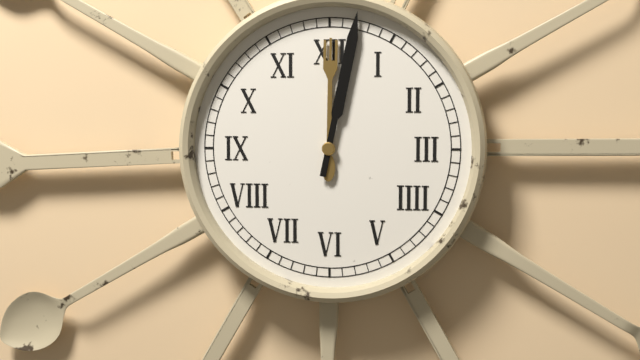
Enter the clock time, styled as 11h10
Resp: 12h02
